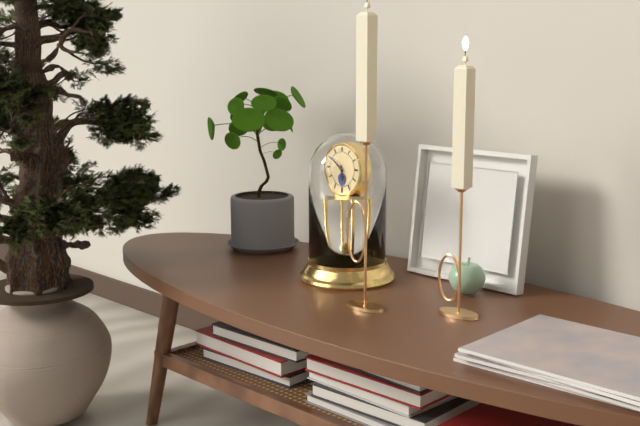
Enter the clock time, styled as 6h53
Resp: 5h51
